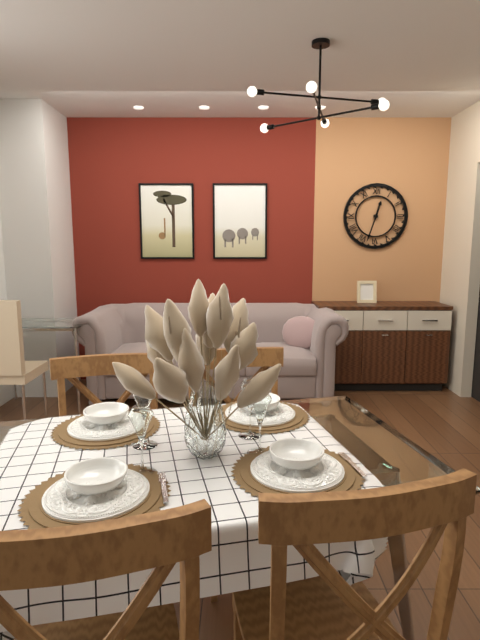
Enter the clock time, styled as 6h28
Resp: 12h33
